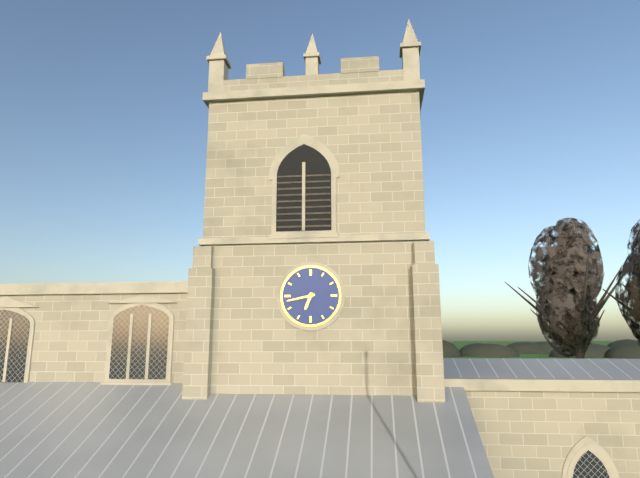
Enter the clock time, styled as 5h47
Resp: 6h43
